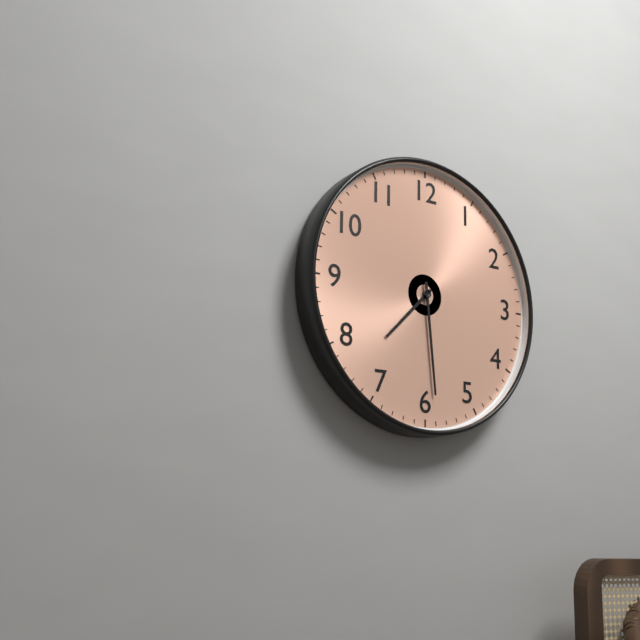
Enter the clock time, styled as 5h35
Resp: 7h29
